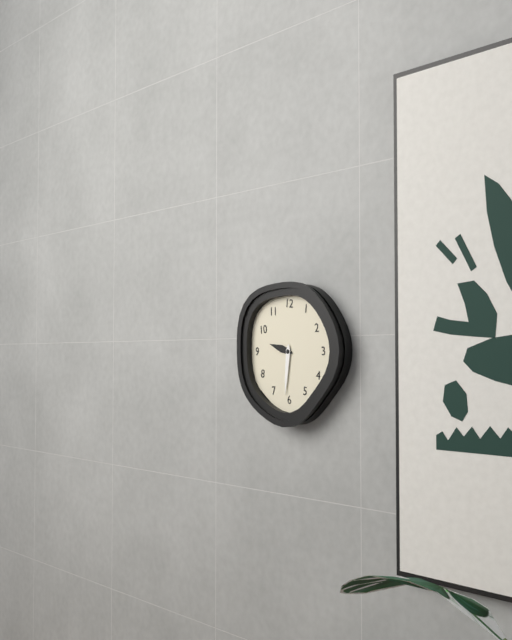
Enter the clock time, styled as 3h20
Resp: 9h31
